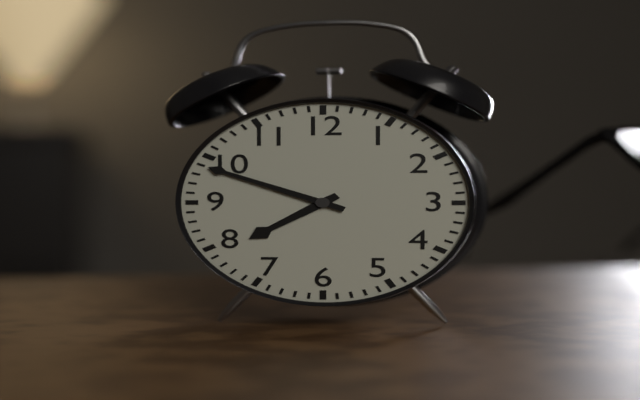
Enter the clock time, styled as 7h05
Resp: 7h49
